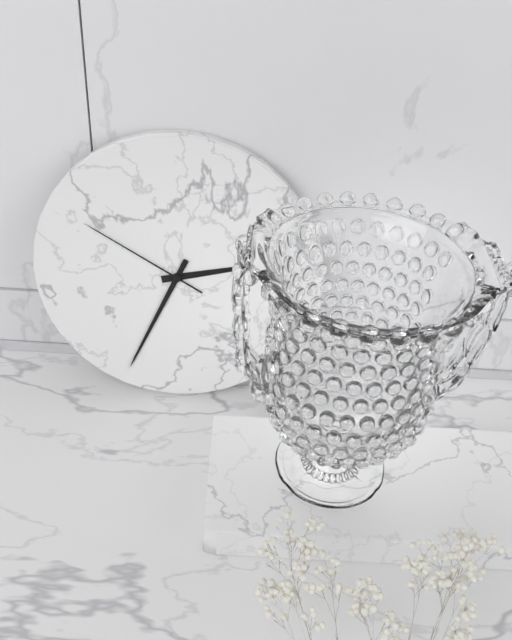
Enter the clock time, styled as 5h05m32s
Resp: 2h34m50s
